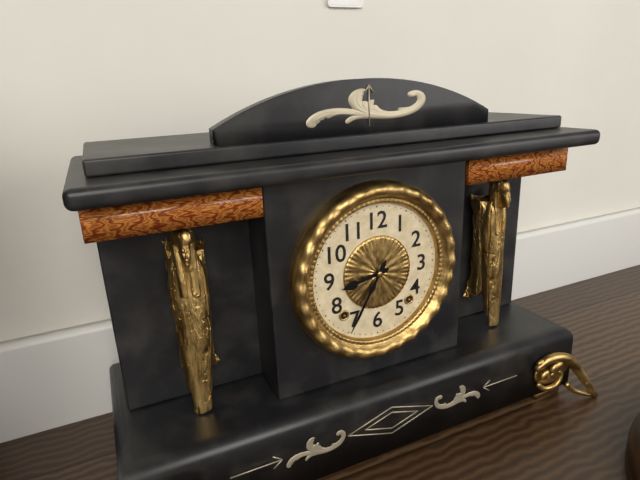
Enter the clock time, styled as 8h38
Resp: 8h35
